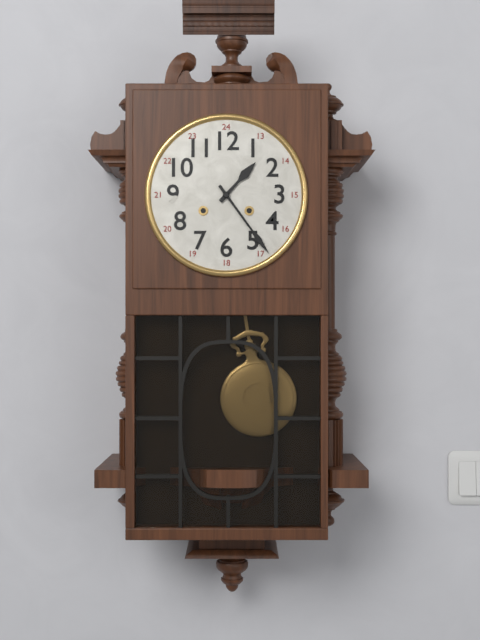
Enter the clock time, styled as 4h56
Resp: 1h24
